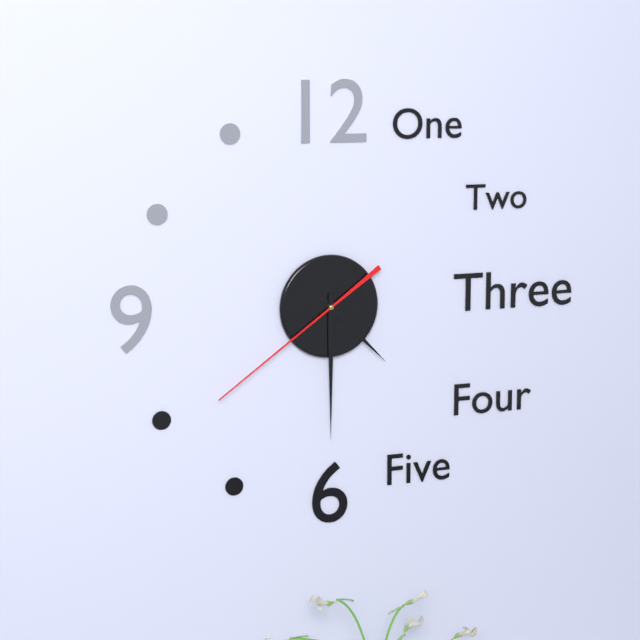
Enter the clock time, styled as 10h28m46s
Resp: 4h30m39s
